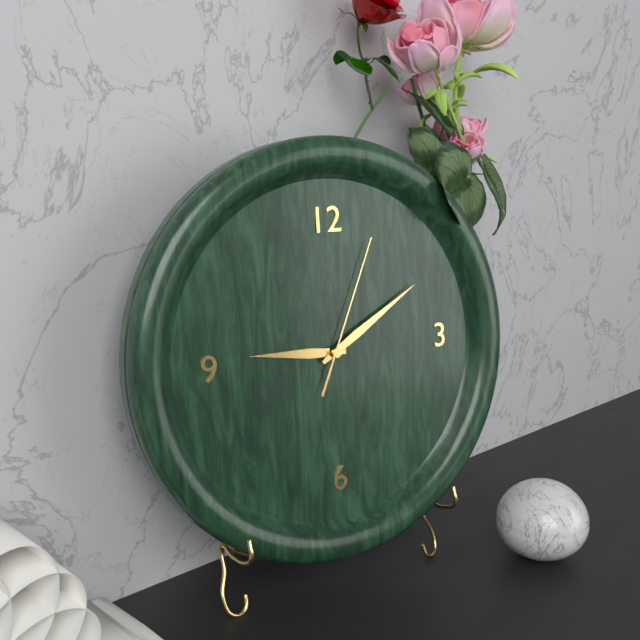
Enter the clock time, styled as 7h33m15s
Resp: 9h10m04s
